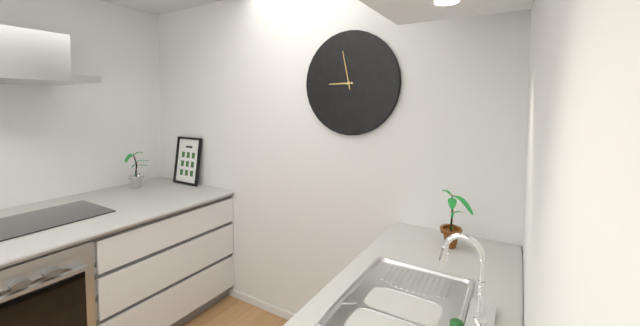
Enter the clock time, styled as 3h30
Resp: 8h58
